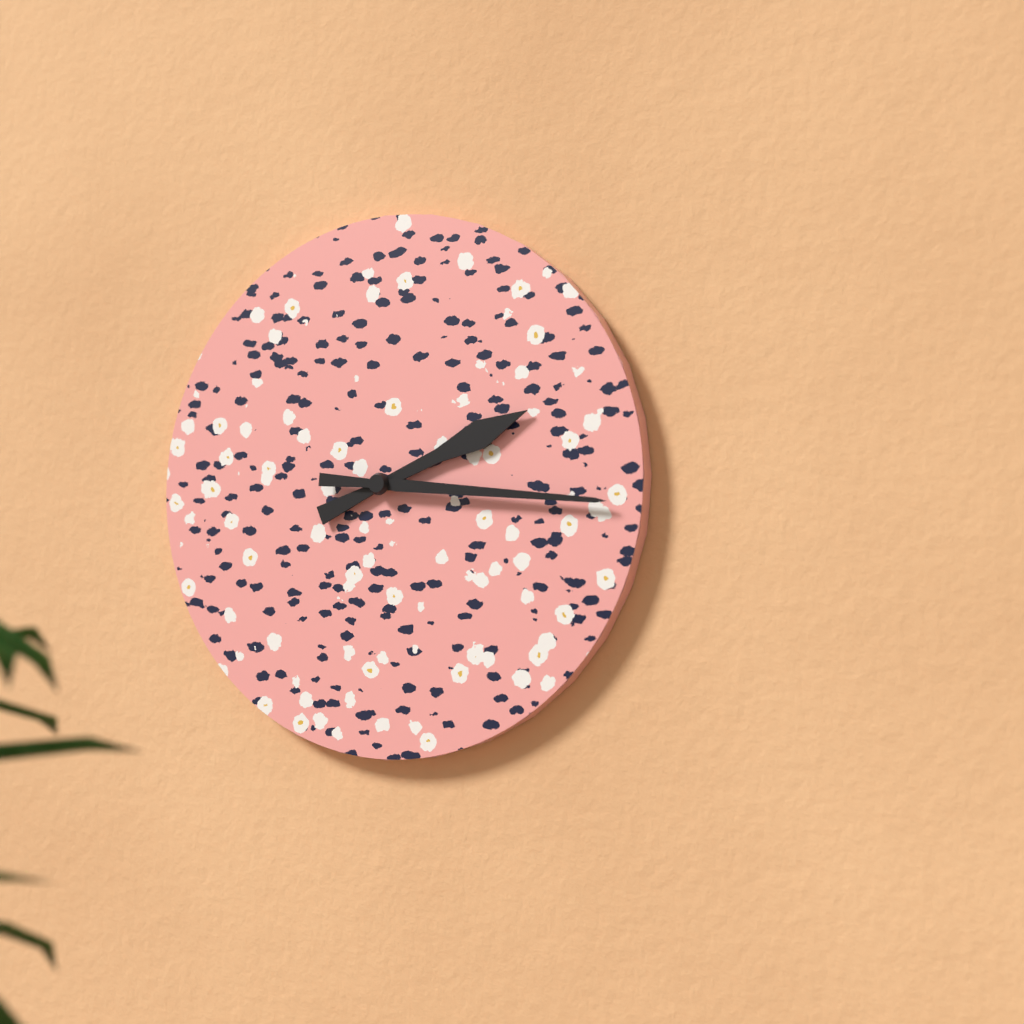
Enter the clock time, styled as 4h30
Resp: 2h16
